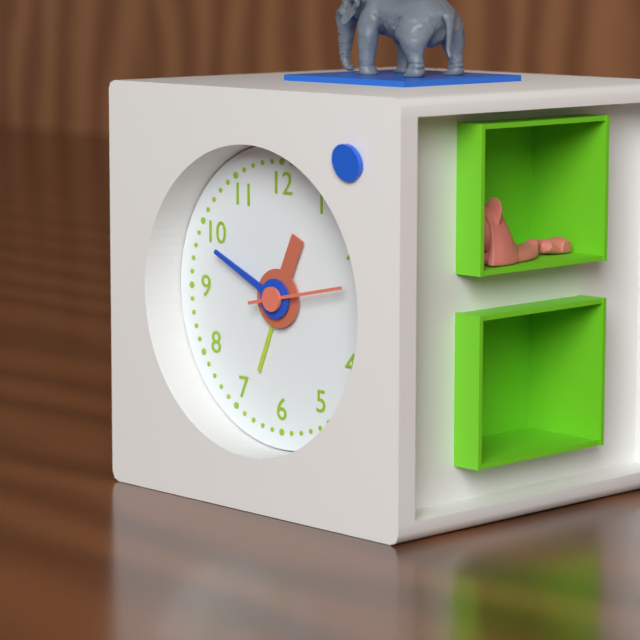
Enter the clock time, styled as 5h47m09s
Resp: 12h49m13s
